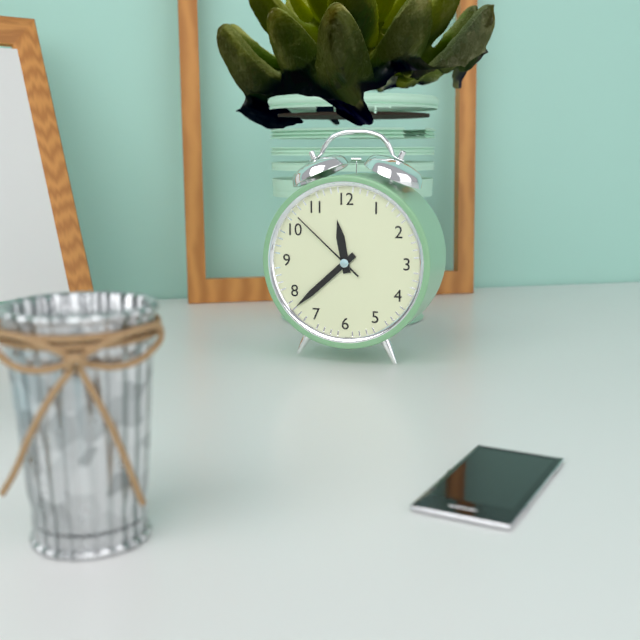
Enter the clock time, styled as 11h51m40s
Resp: 11h38m52s
